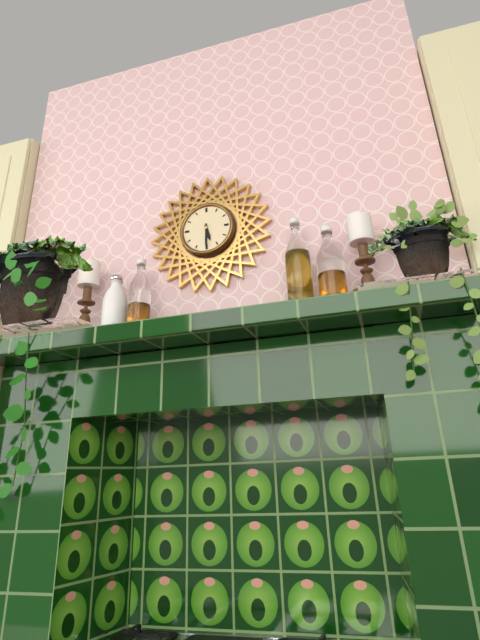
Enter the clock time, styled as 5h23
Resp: 5h30
